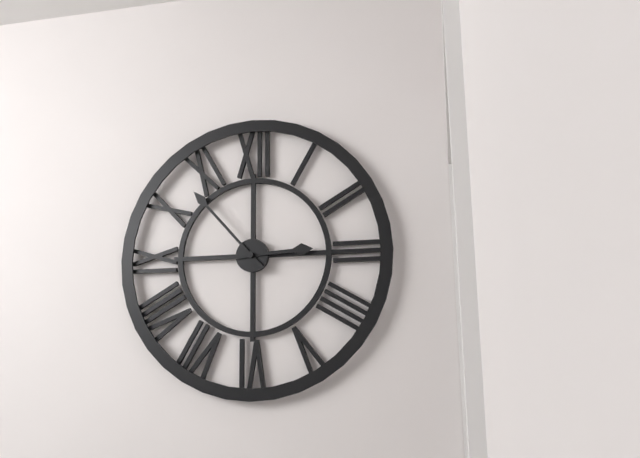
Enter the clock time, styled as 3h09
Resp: 2h53
